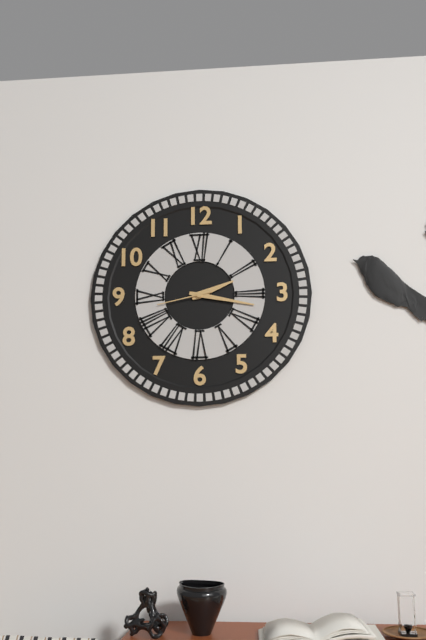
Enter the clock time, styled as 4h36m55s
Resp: 2h17m43s
